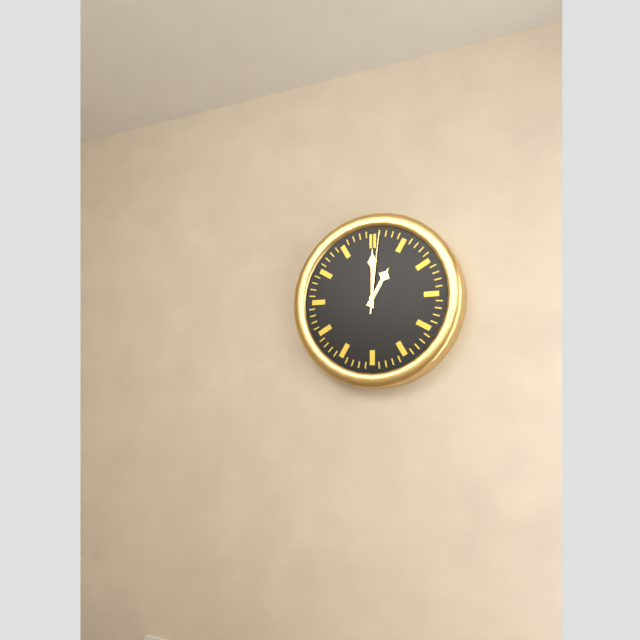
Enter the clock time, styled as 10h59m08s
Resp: 1h00m01s
